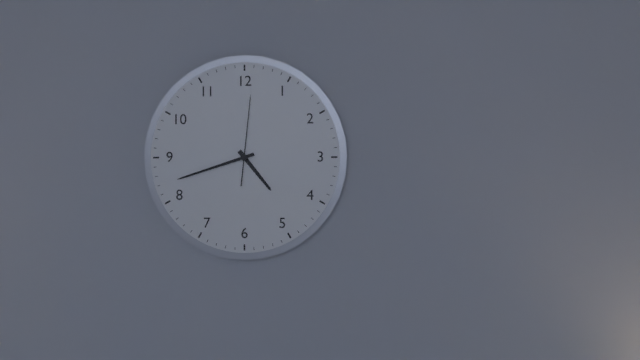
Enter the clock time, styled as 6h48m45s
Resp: 4h42m01s
